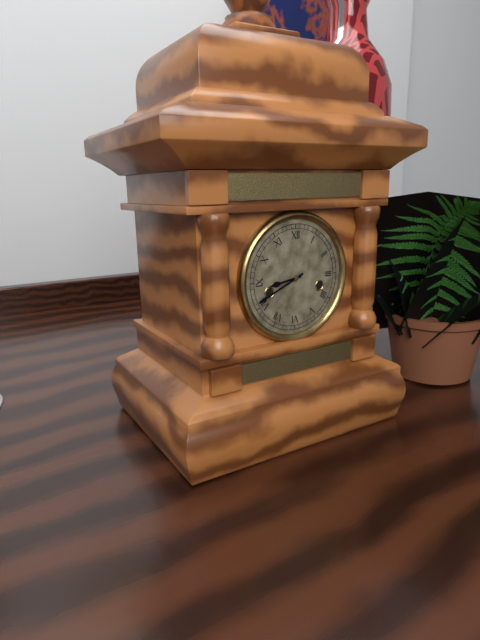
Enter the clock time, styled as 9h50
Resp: 8h41
